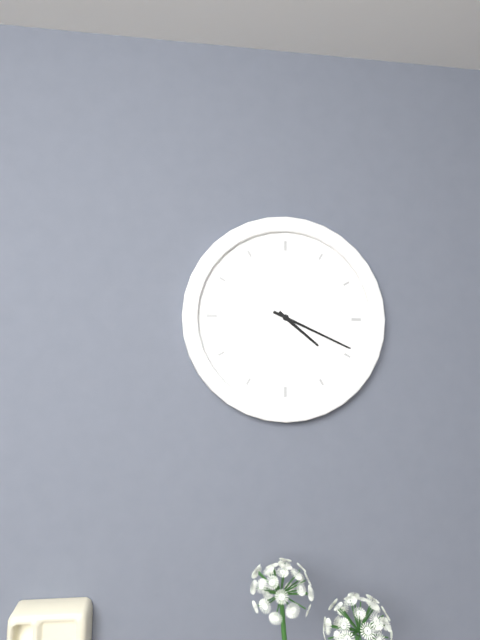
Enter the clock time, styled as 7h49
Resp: 4h19
